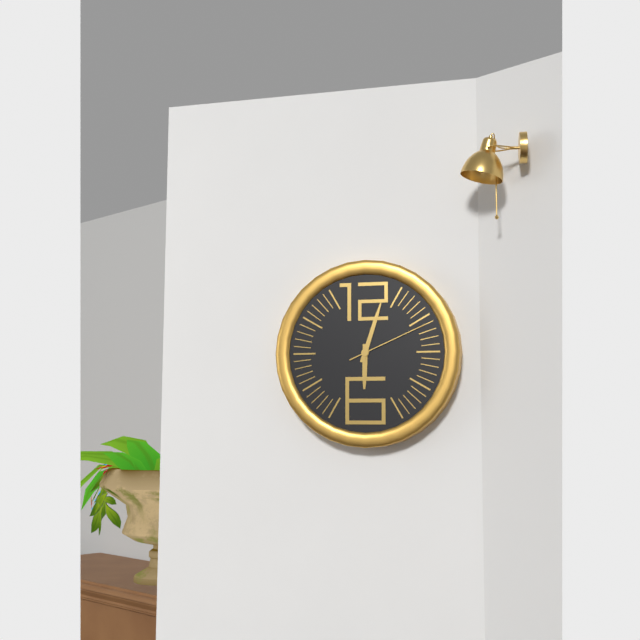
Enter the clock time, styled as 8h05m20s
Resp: 6h03m11s
